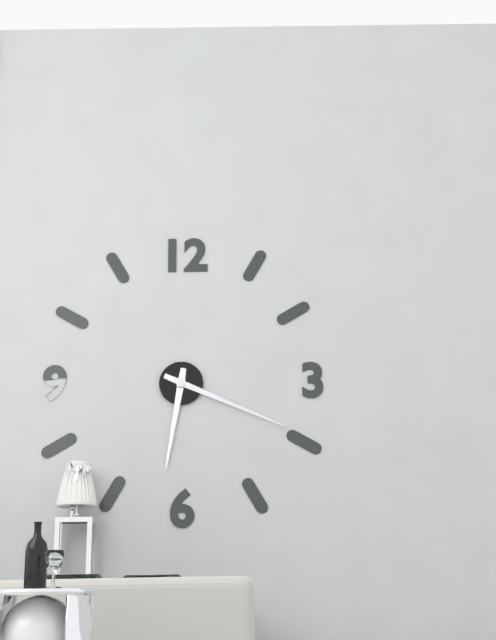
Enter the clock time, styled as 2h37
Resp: 6h19
